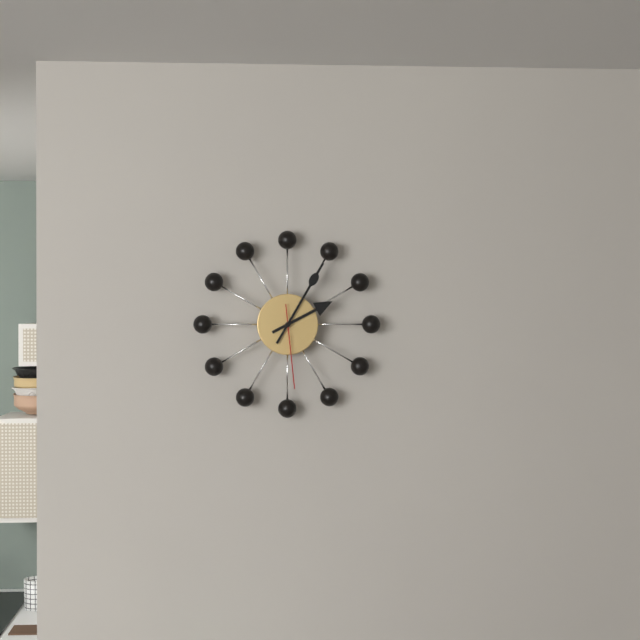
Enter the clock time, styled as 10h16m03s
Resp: 2h05m29s
